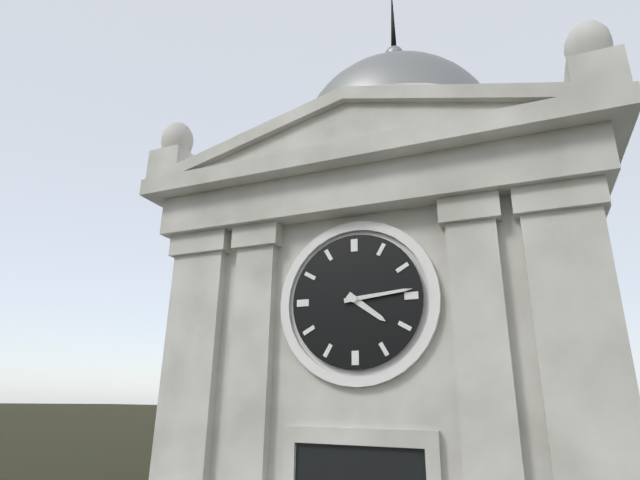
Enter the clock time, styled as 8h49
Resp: 4h14
